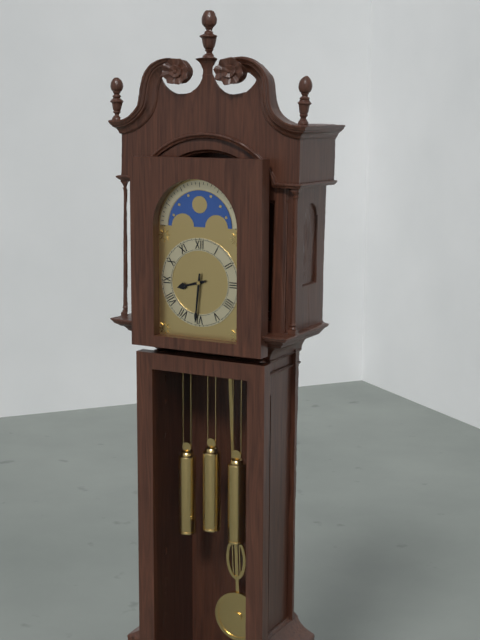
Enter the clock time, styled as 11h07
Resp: 8h31
